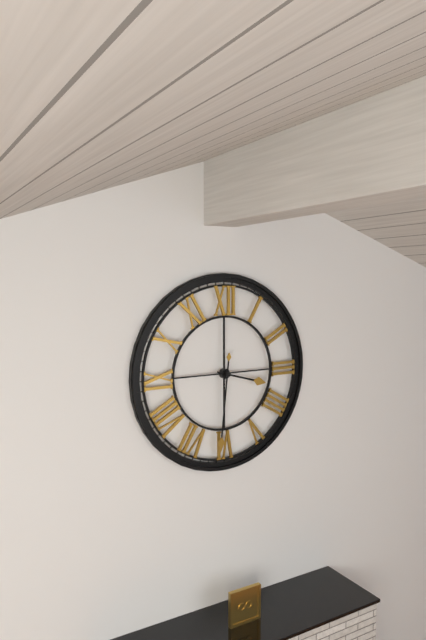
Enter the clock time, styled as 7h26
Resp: 3h31
